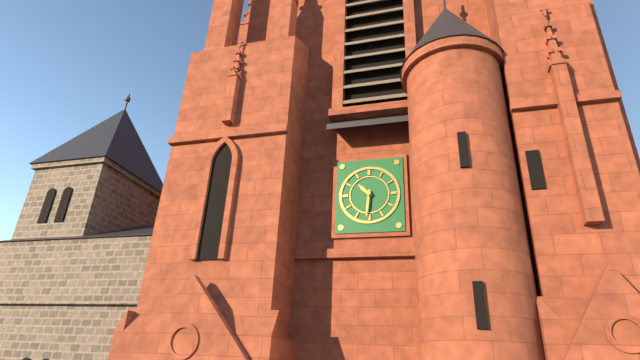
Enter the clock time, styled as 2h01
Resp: 10h31
